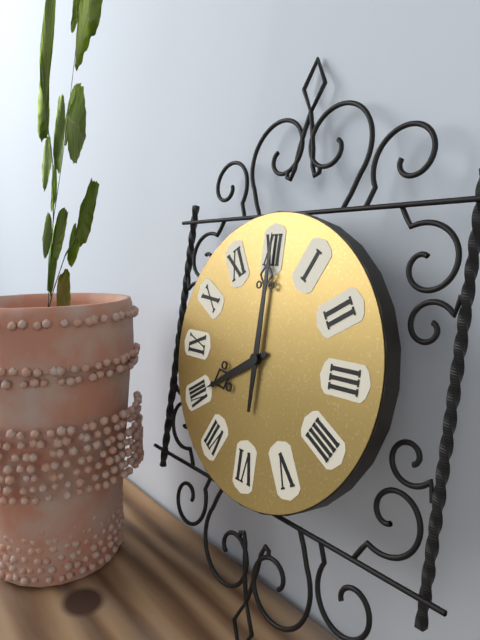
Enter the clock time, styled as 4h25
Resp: 8h00
